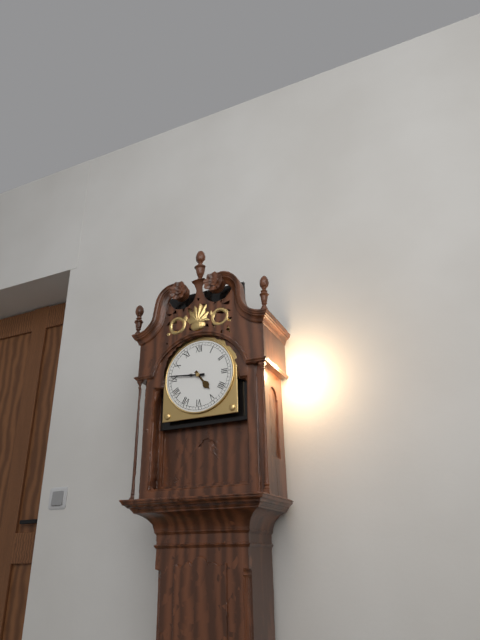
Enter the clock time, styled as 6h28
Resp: 4h46
